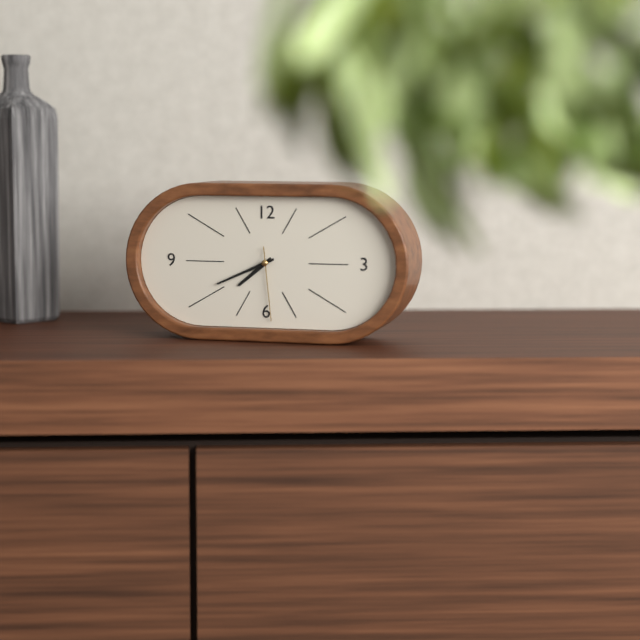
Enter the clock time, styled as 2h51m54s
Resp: 7h41m29s
